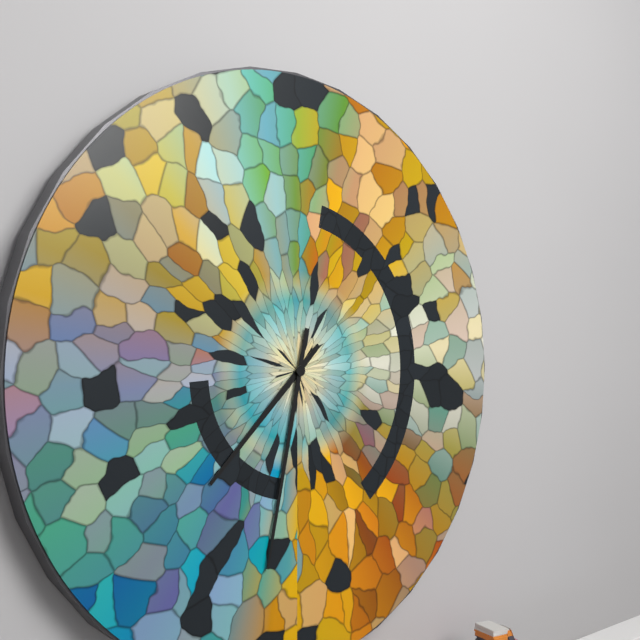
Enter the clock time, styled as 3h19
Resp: 7h32
